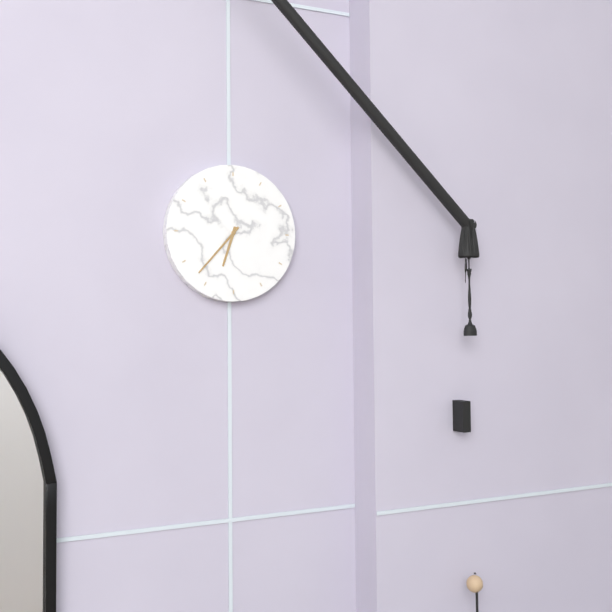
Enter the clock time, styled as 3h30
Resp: 6h37
